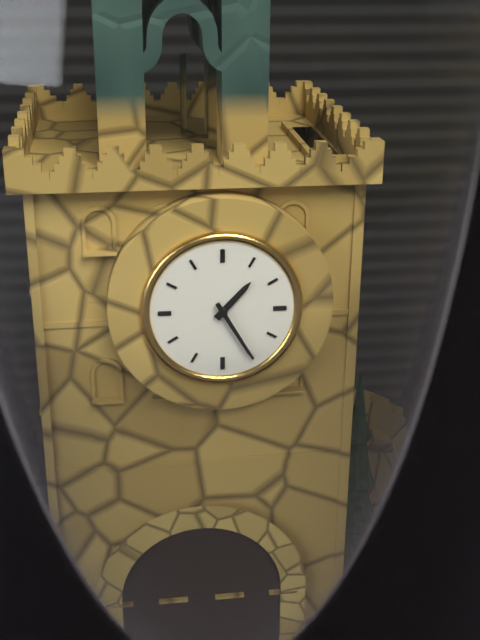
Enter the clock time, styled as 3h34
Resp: 1h25
